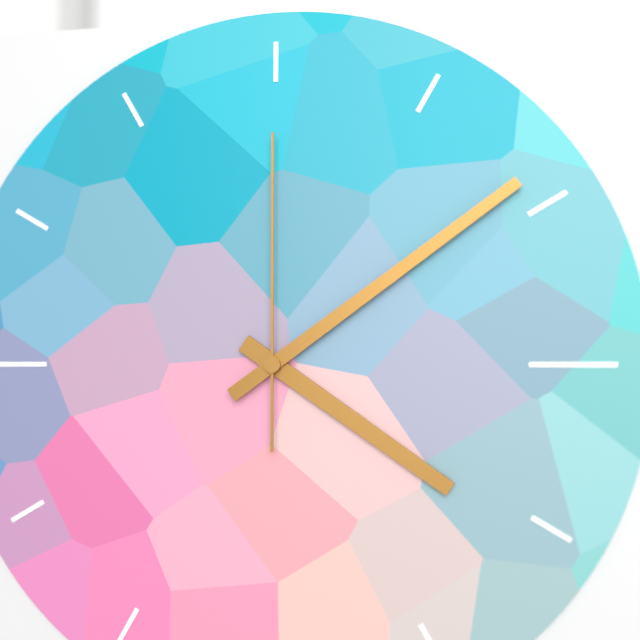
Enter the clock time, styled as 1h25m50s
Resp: 4h09m00s
